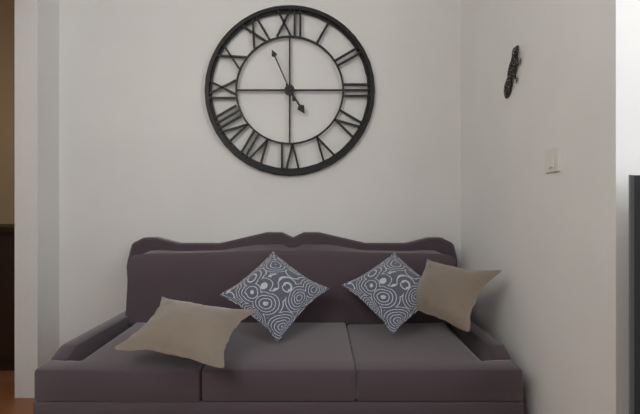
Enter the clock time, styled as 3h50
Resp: 4h56
